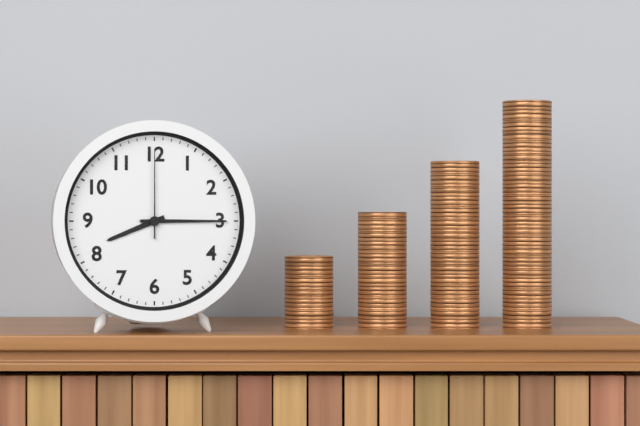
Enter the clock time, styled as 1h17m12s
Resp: 8h15m00s
